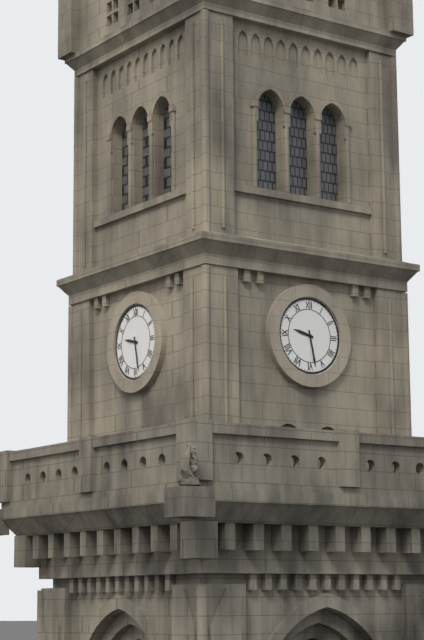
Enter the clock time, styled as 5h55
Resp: 9h28
